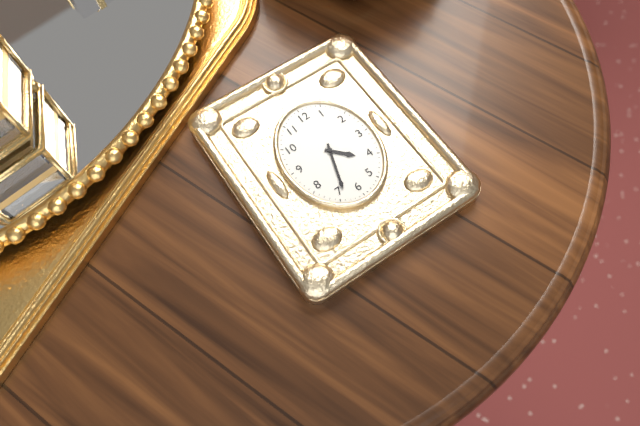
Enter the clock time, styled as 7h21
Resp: 4h33
